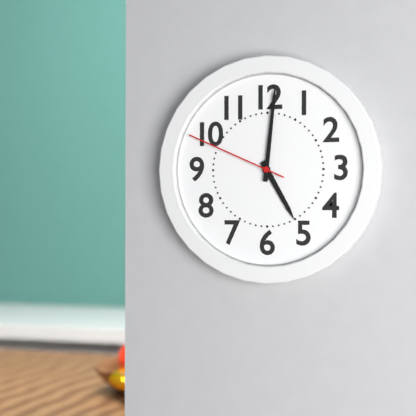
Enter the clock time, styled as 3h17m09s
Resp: 5h01m49s
